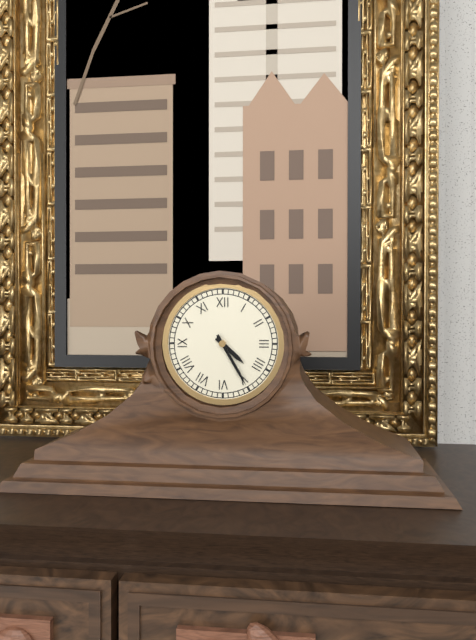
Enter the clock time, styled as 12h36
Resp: 4h25
